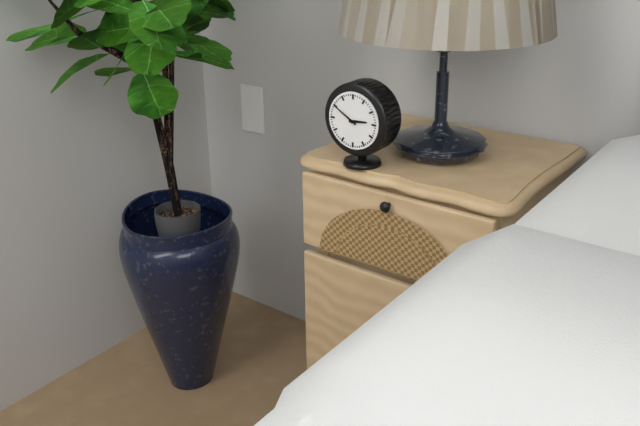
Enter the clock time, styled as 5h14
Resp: 2h50
